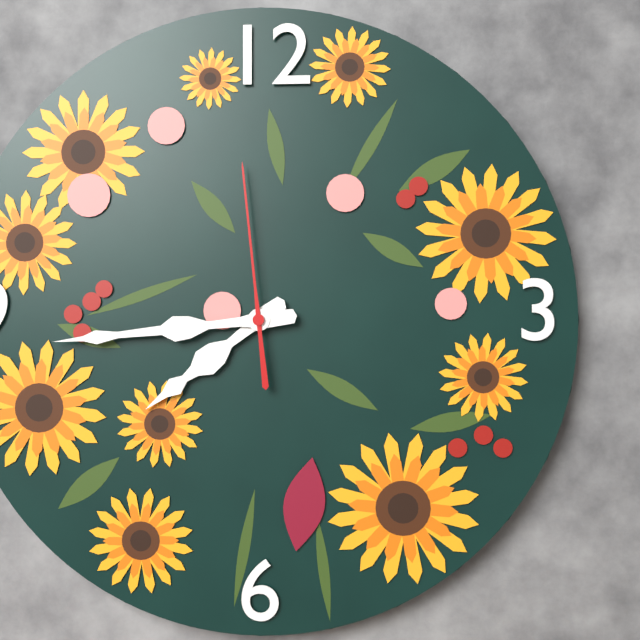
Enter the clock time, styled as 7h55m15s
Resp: 7h44m59s
